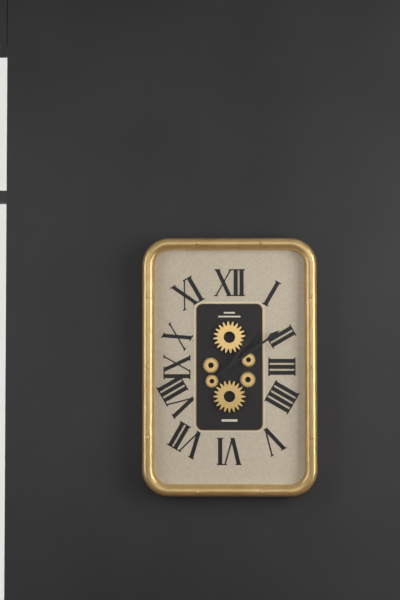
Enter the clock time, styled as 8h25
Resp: 1h09
